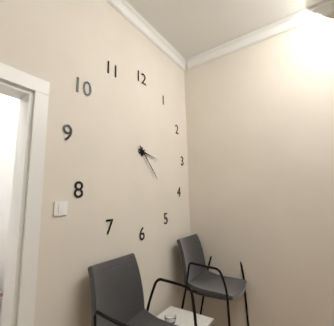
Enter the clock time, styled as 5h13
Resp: 3h23
